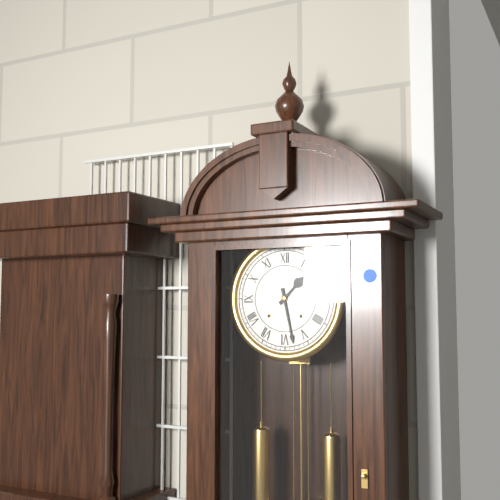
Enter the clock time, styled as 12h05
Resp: 1h28
